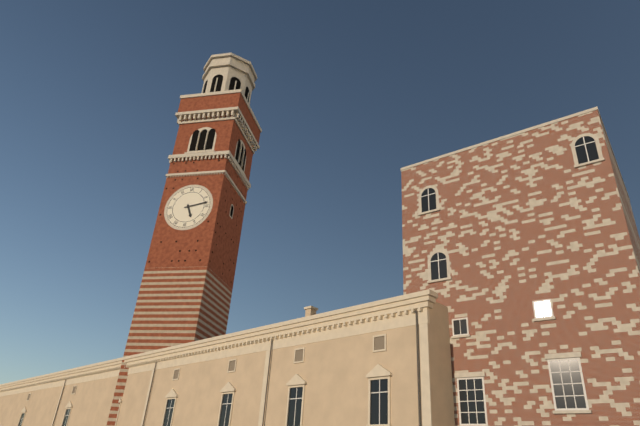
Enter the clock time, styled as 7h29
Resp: 5h13
